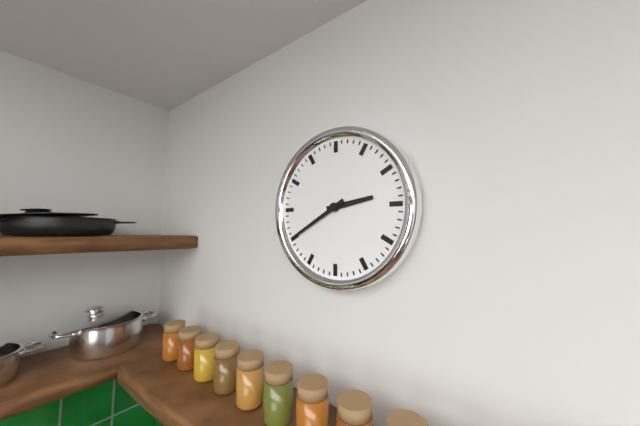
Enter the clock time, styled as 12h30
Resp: 2h40
